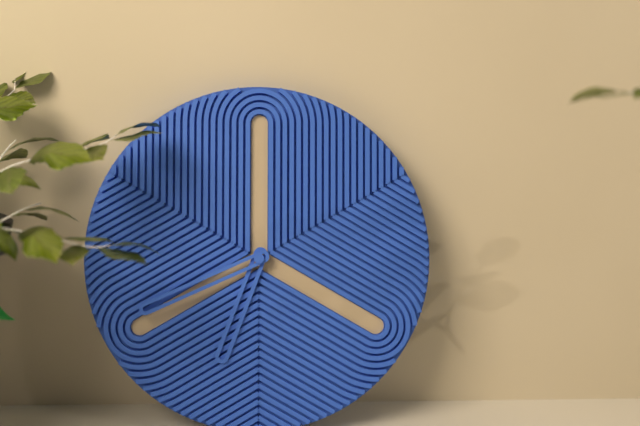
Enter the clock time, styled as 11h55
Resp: 6h41
